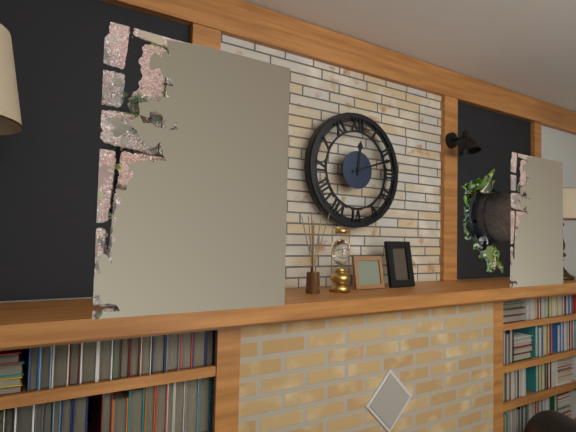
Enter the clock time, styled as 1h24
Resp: 12h12
